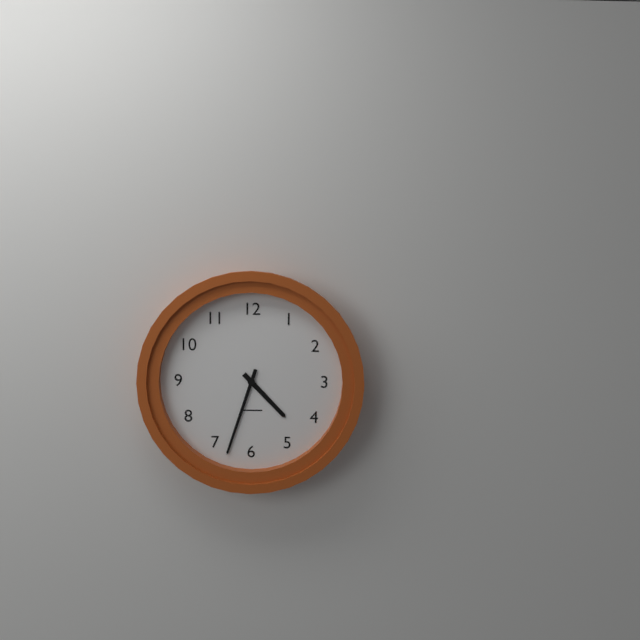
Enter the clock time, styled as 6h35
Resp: 4h33
